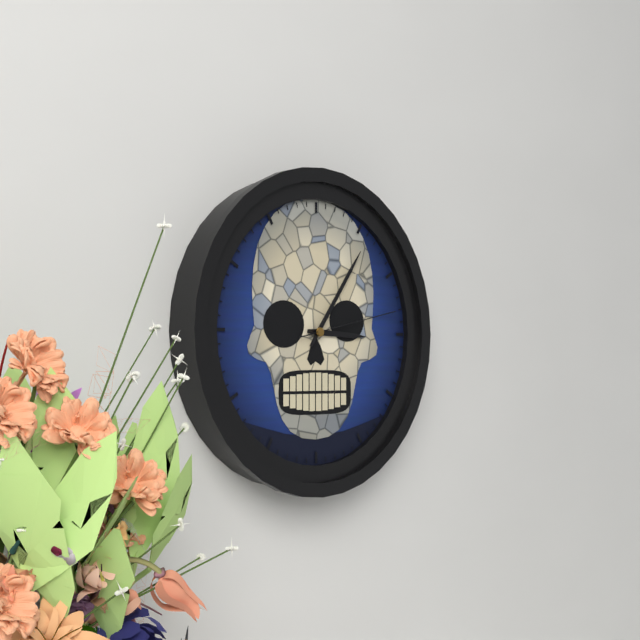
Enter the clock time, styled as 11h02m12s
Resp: 3h06m13s
